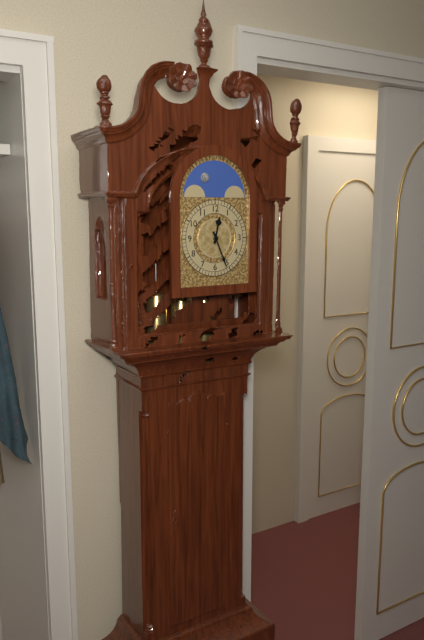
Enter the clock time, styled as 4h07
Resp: 12h26
